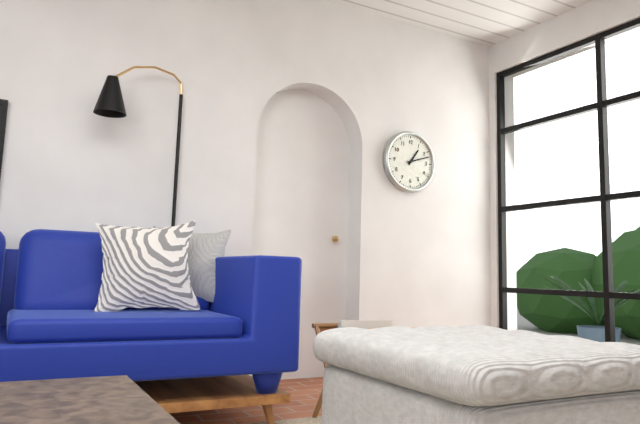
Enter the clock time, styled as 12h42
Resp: 1h12
